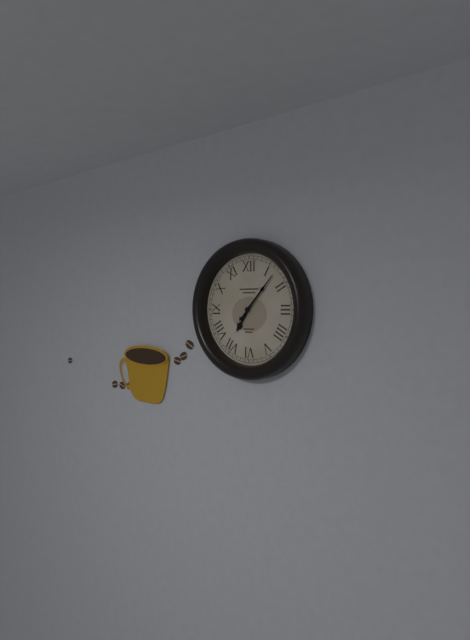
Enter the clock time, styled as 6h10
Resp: 7h07
